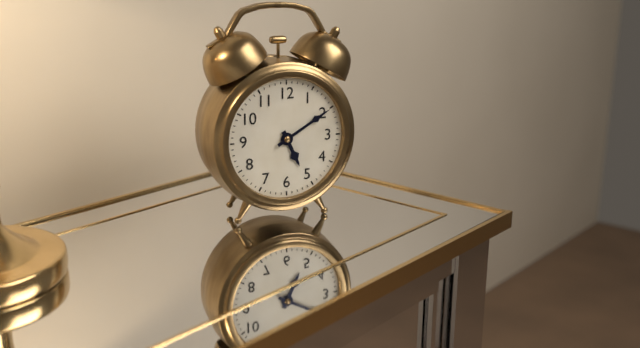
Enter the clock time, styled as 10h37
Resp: 5h10
